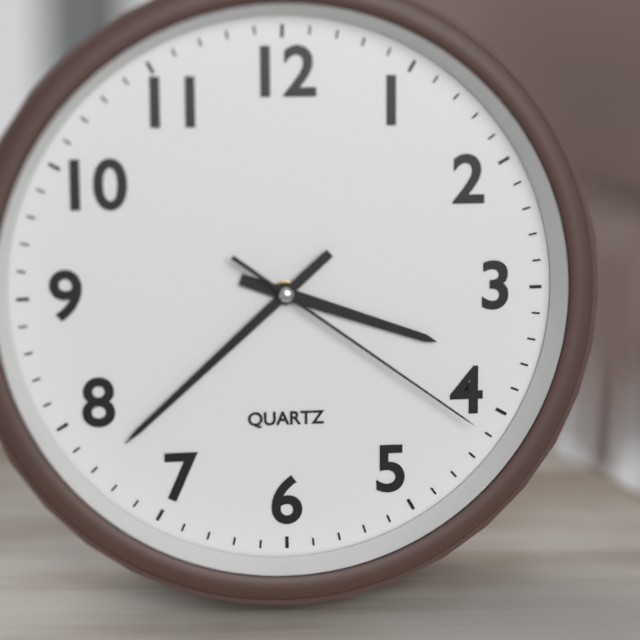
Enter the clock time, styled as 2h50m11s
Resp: 3h38m21s
